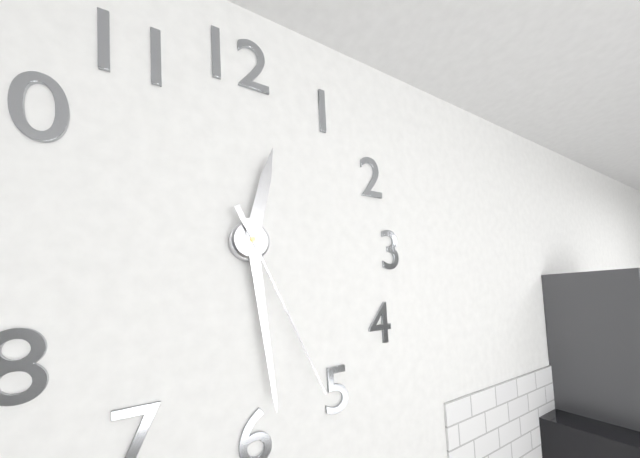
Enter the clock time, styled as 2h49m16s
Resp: 12h29m26s
